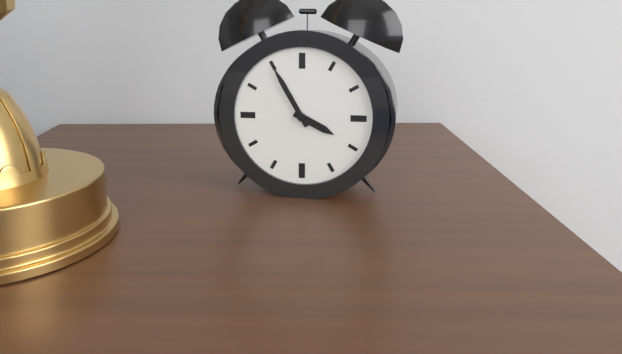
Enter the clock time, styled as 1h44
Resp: 3h55
